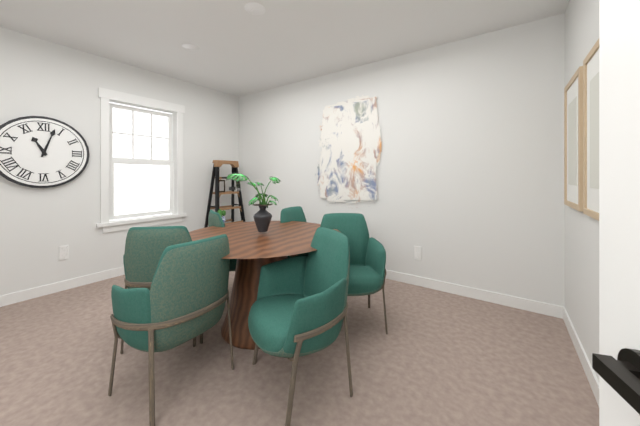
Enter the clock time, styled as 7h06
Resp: 11h03
